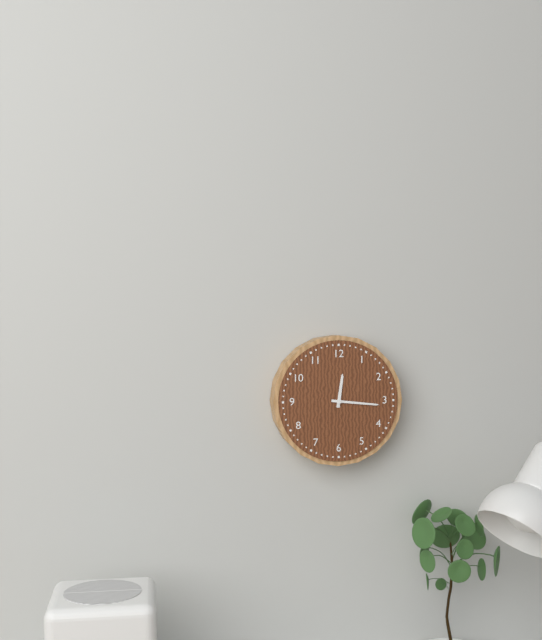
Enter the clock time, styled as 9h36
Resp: 12h16
